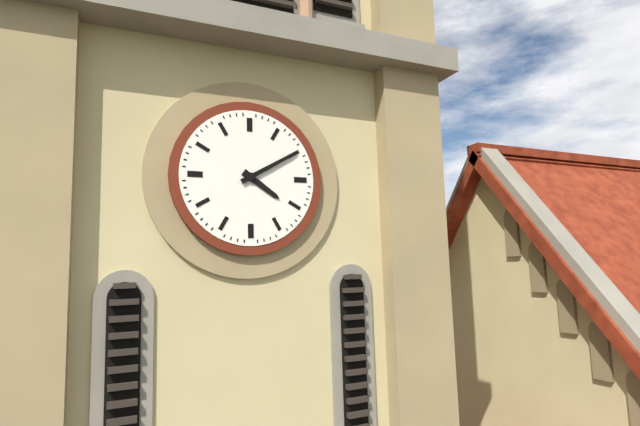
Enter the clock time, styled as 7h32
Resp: 4h10
